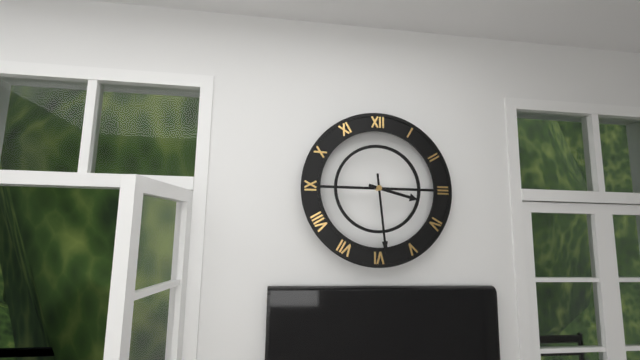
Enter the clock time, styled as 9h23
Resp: 3h29
